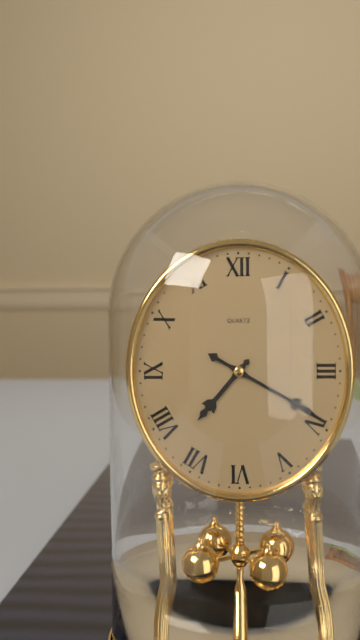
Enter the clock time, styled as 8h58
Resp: 7h20
